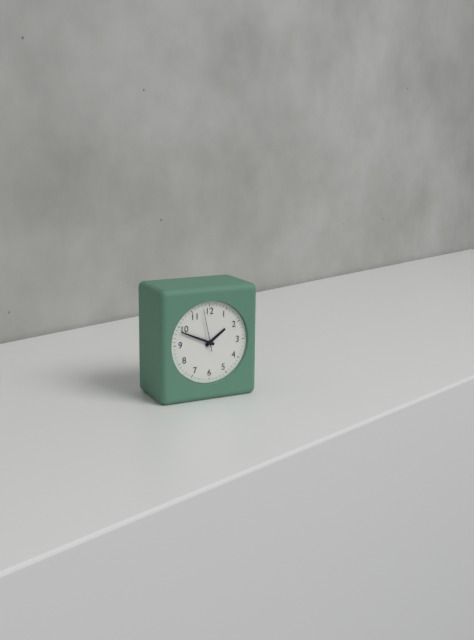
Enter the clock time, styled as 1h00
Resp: 1h49
